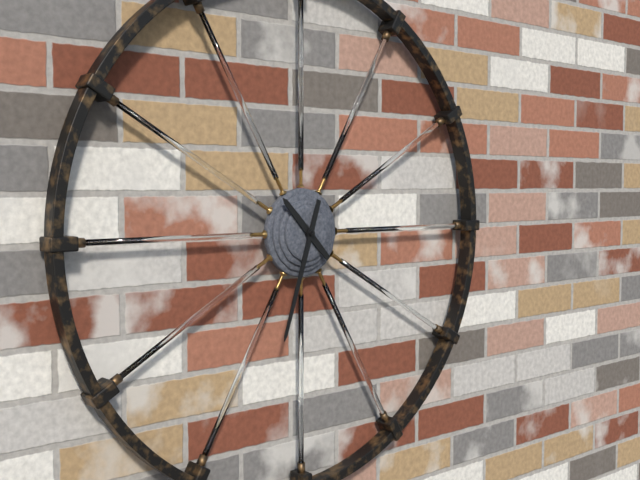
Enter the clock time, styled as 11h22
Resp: 10h33
